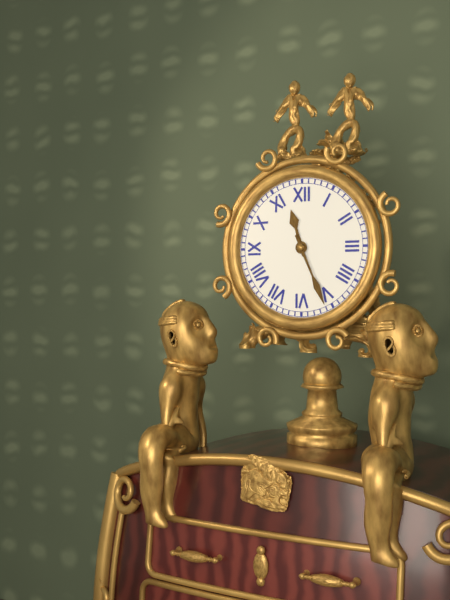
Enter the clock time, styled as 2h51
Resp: 11h26
